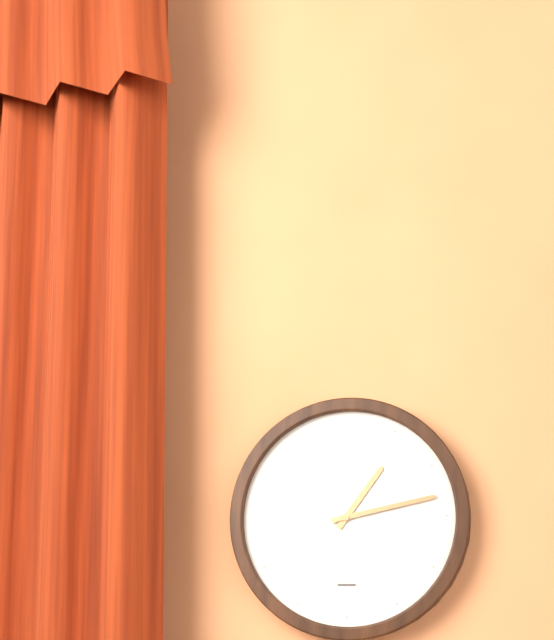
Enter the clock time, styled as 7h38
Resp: 1h13
